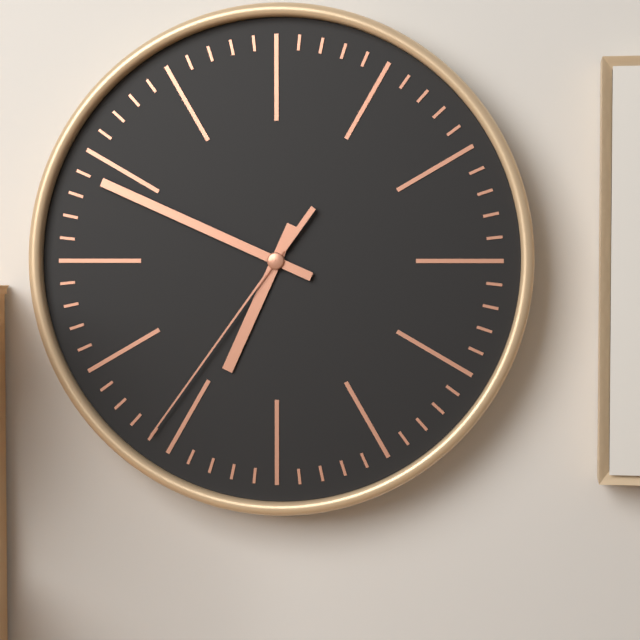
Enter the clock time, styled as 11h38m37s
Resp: 6h49m36s
